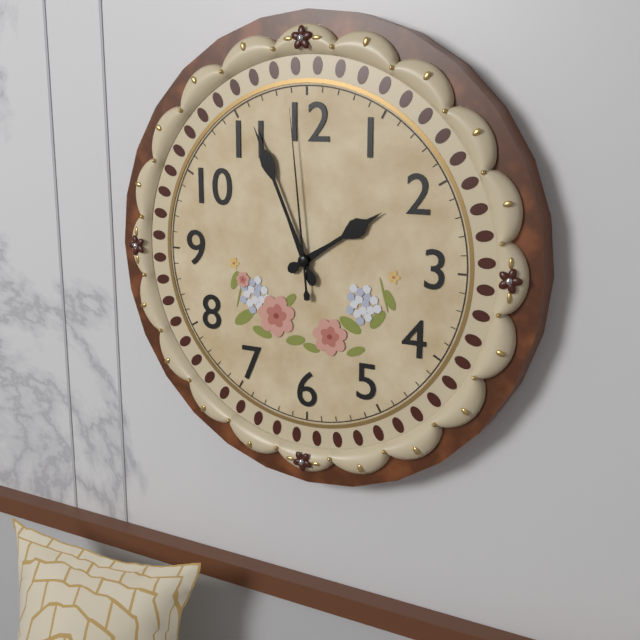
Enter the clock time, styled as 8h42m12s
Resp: 1h56m59s
